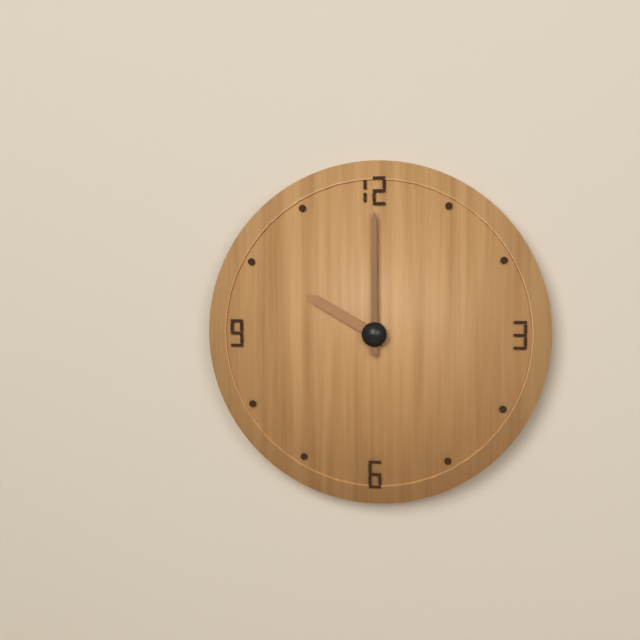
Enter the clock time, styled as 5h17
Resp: 10h00
